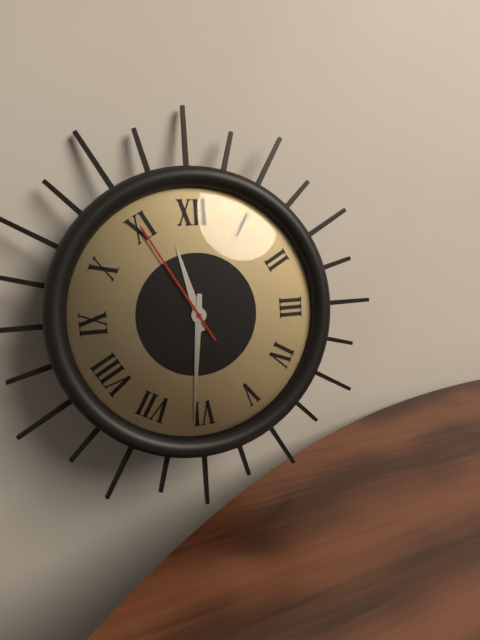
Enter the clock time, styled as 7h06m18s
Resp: 11h31m55s
